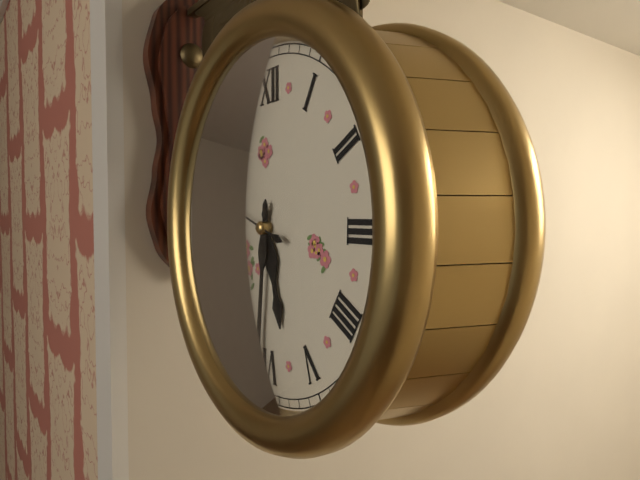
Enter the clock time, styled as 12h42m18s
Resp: 5h31m48s
